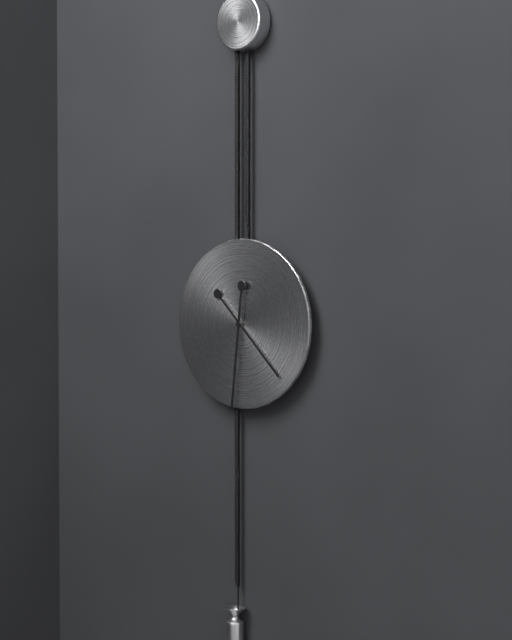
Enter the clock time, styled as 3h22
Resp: 4h31
